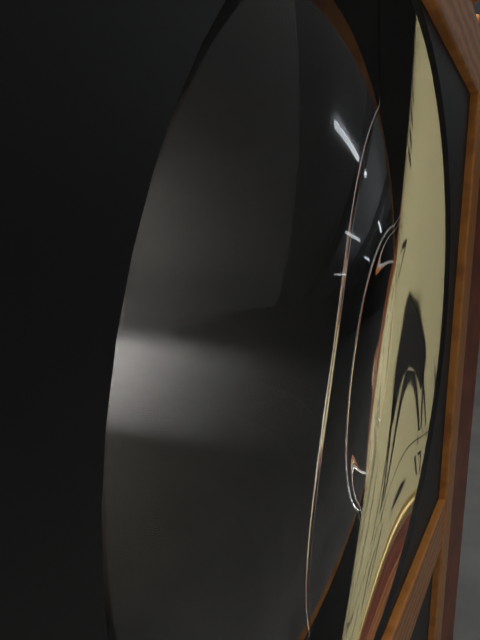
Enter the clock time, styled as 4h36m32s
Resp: 6h00m01s
